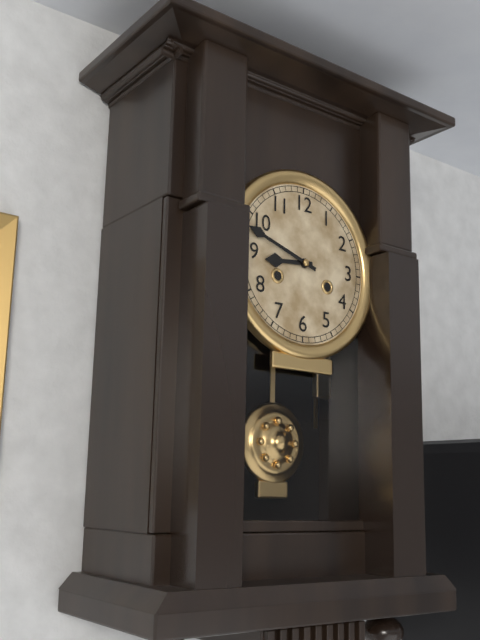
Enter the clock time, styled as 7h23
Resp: 8h48
